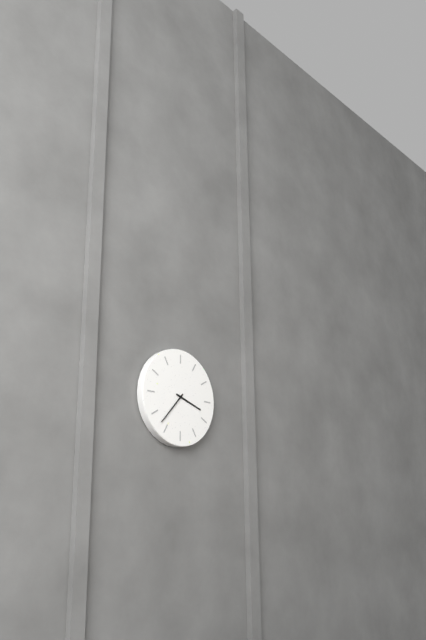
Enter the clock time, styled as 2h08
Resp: 3h37
